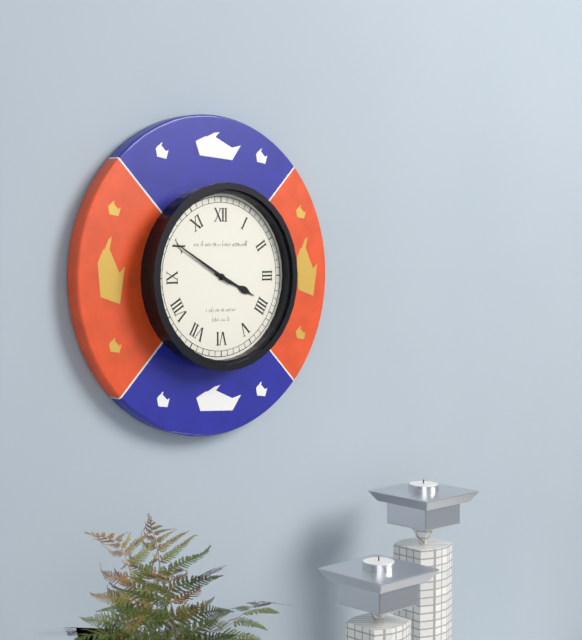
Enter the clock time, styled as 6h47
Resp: 3h50
